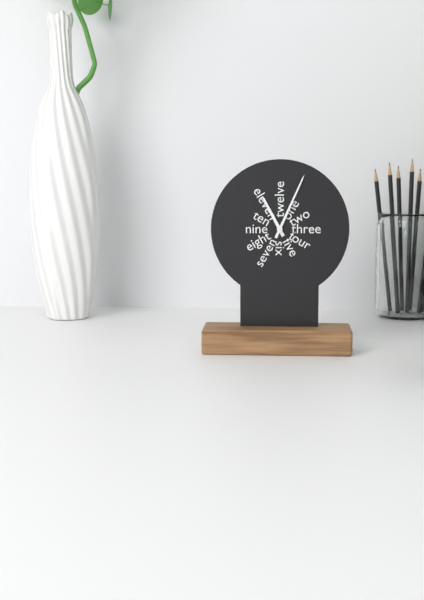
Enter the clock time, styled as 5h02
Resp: 11h04
